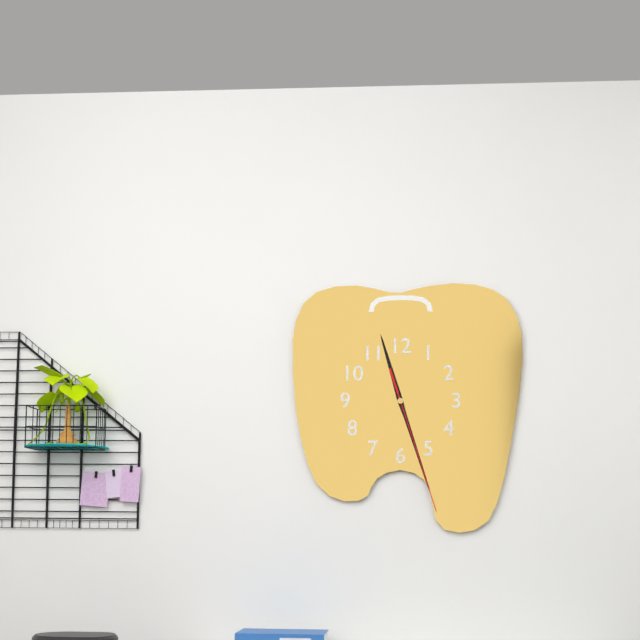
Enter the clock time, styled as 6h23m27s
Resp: 11h27m27s
